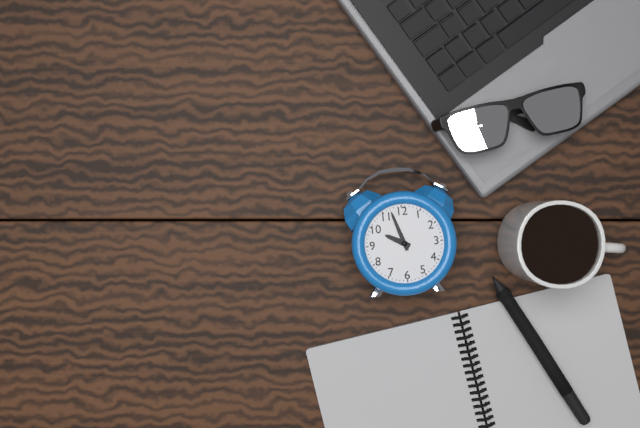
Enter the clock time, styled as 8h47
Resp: 9h57
